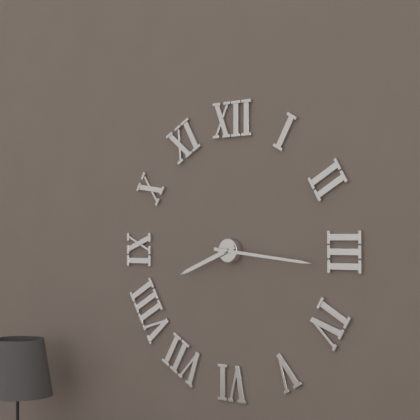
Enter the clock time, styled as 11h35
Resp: 8h16
